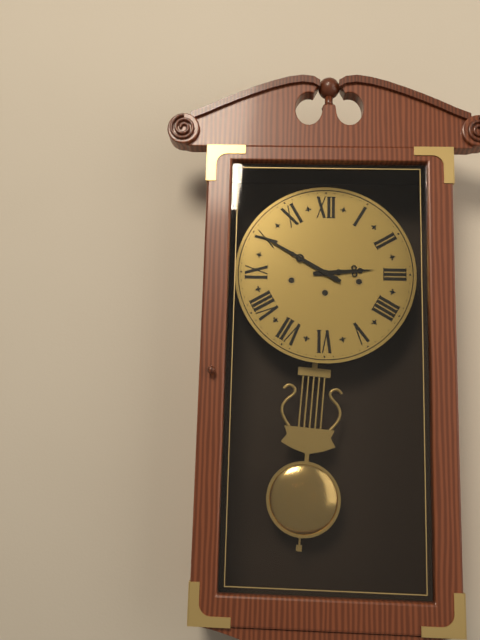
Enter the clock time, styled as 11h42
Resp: 2h50
